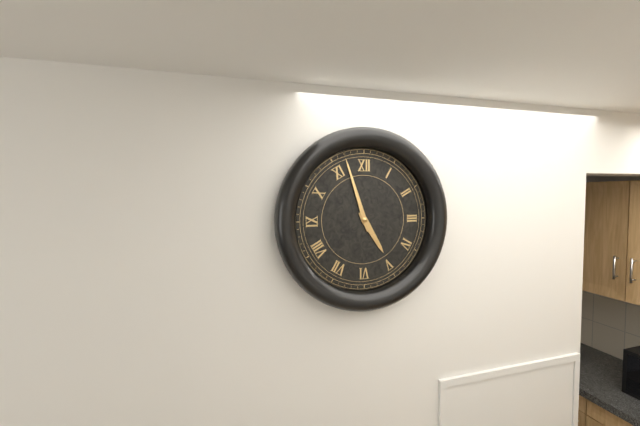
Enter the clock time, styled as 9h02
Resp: 4h57
